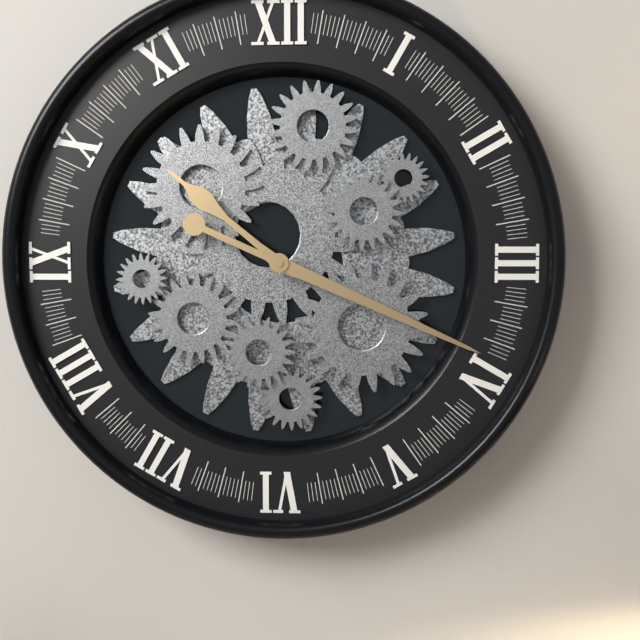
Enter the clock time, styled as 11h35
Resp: 10h19
